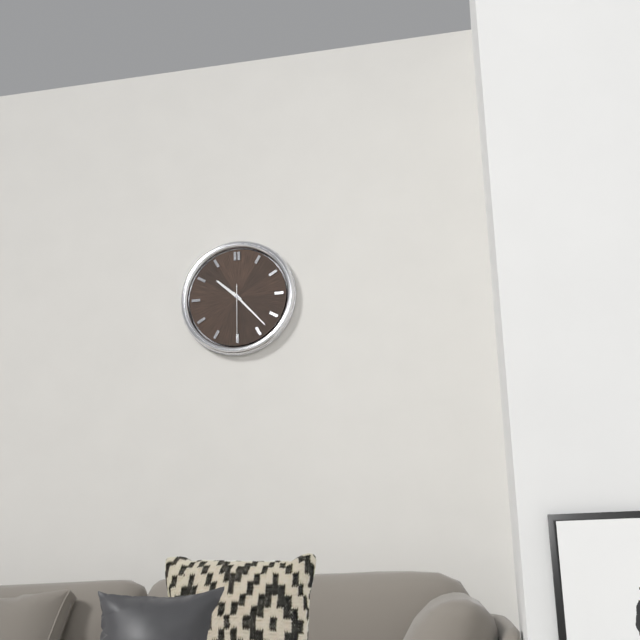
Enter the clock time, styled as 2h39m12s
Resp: 10h23m30s
